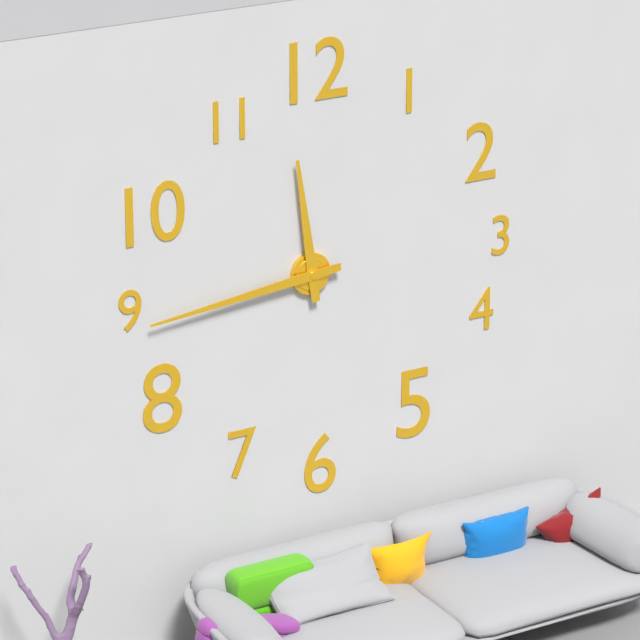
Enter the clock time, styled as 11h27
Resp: 11h44
